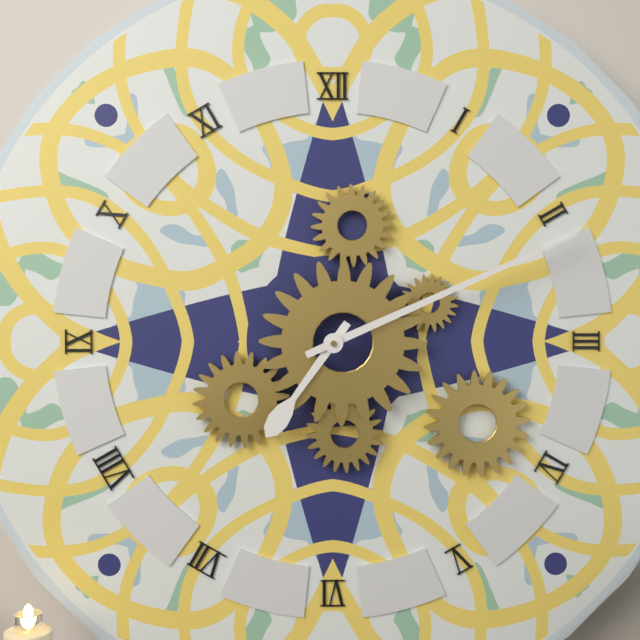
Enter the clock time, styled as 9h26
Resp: 7h11
